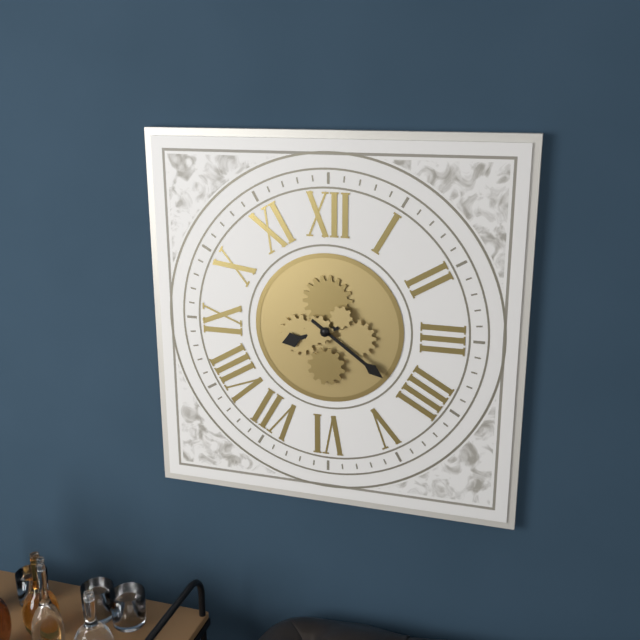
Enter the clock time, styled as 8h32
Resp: 8h21
